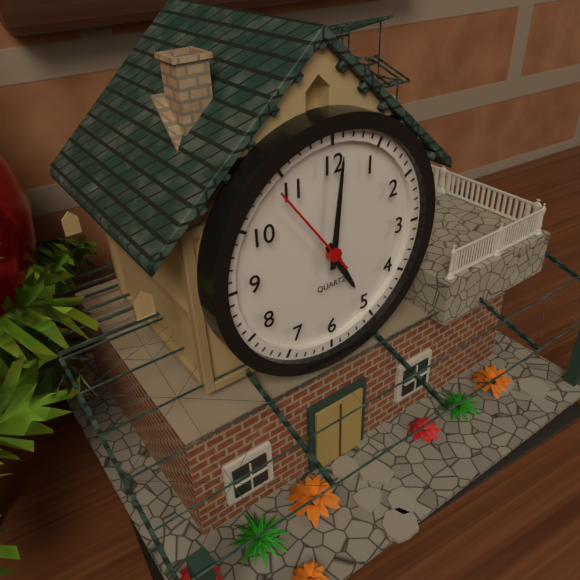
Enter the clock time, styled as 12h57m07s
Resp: 5h01m54s
